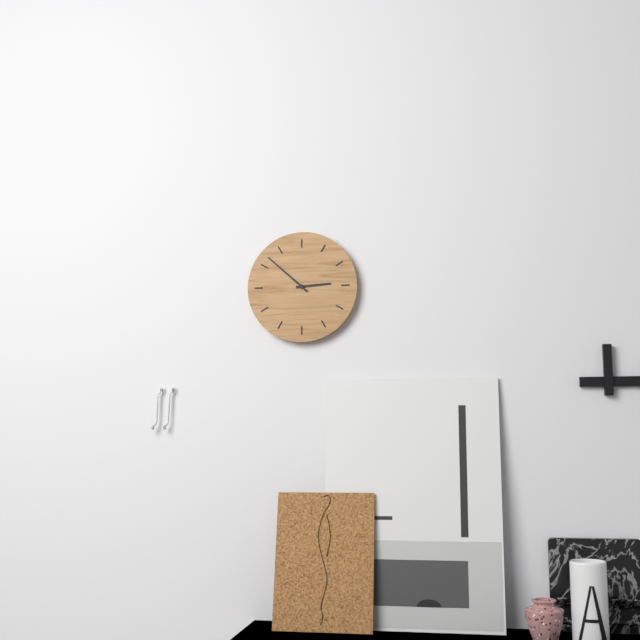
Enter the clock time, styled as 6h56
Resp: 2h52
